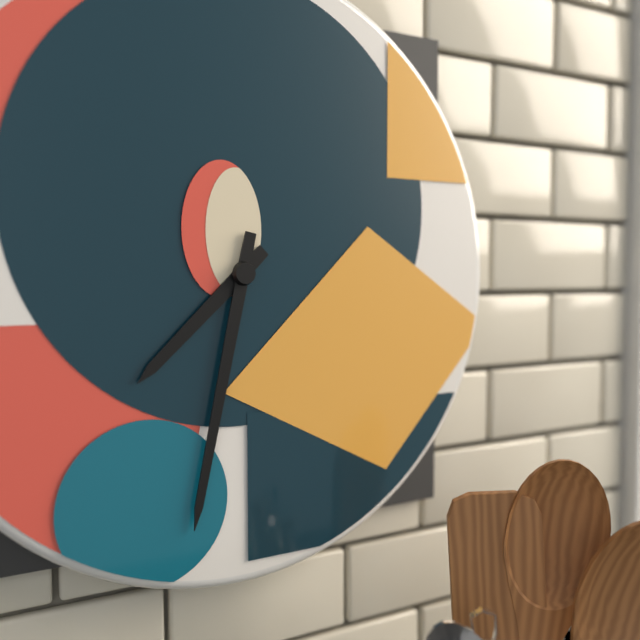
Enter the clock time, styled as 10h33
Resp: 7h32
